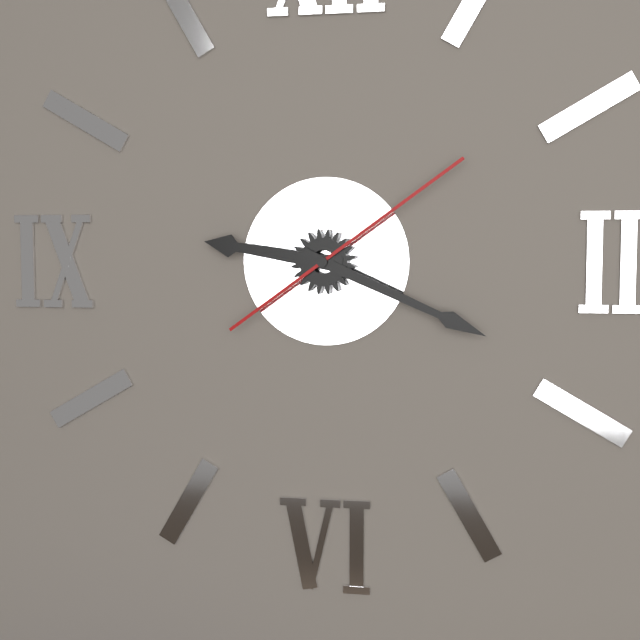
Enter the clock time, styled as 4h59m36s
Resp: 9h19m09s
